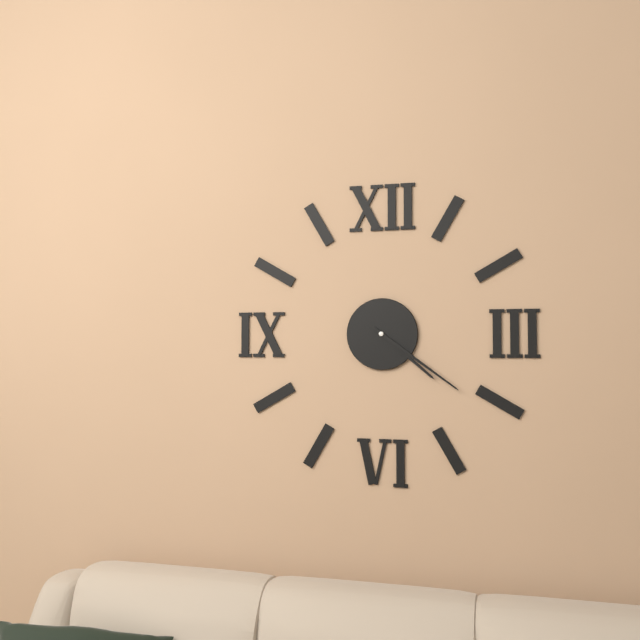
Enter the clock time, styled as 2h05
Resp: 4h21
